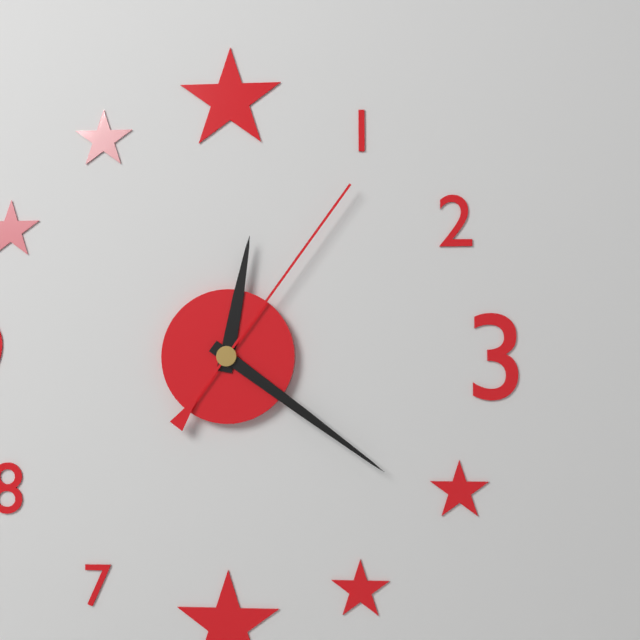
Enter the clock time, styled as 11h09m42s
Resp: 12h21m06s
